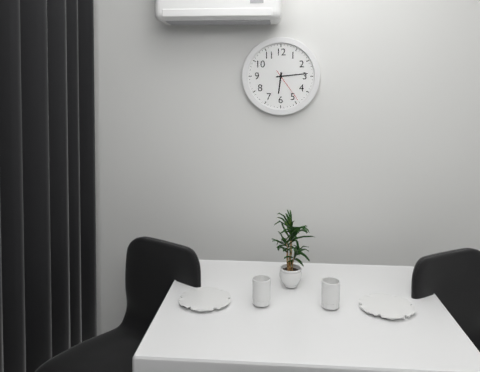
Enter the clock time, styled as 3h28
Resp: 6h14
